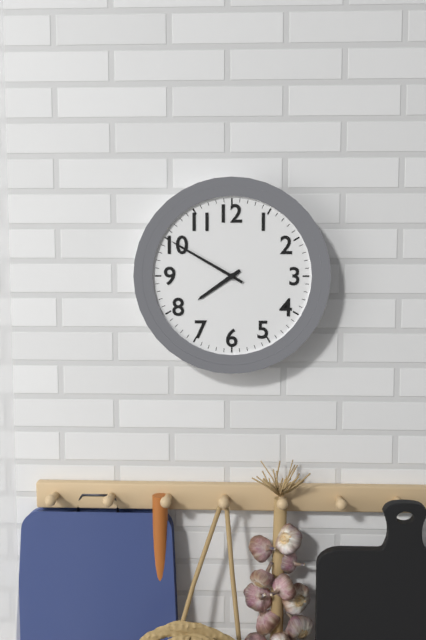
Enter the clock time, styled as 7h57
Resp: 7h50
